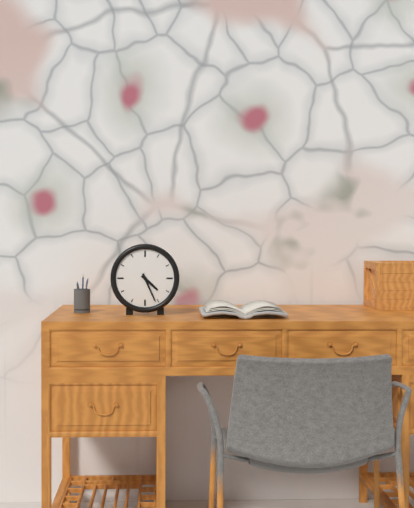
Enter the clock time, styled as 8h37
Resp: 4h26
